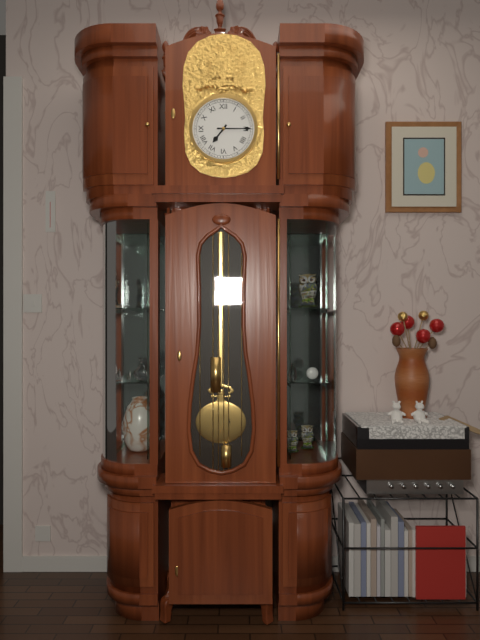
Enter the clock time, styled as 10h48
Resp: 7h15
